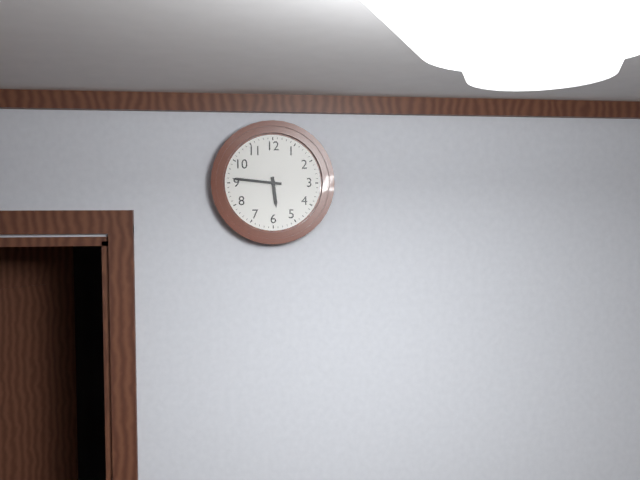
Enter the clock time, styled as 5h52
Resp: 5h46
